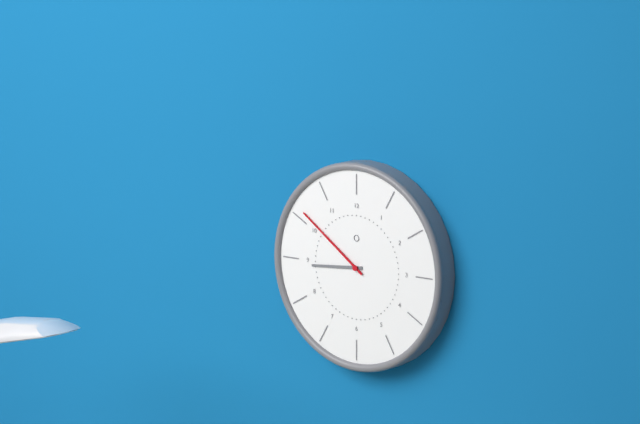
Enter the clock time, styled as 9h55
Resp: 8h51
